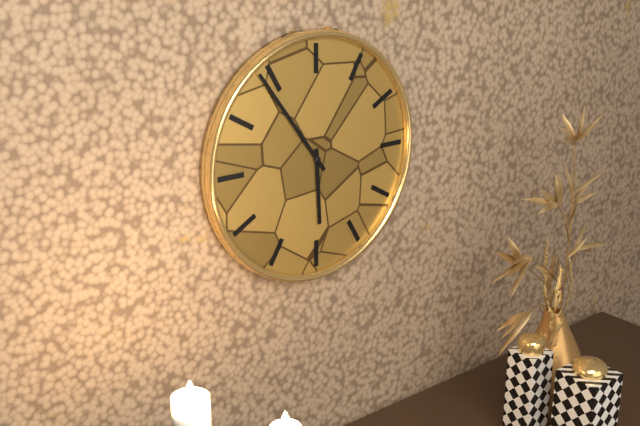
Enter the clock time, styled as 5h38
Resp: 5h54
